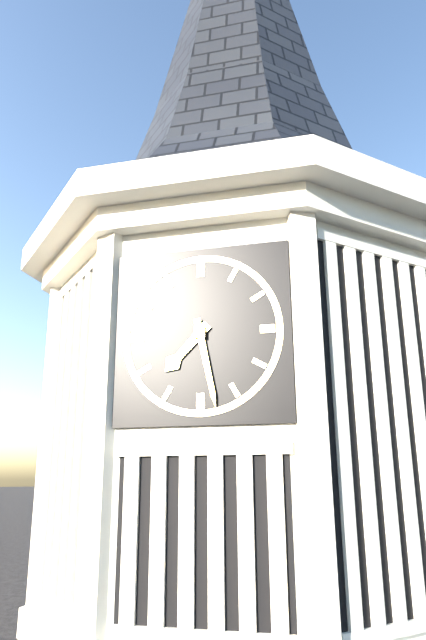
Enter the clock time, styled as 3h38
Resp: 7h28
